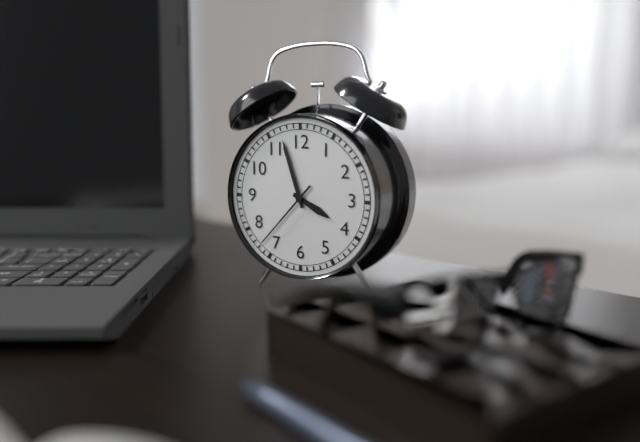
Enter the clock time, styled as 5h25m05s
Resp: 3h57m37s
